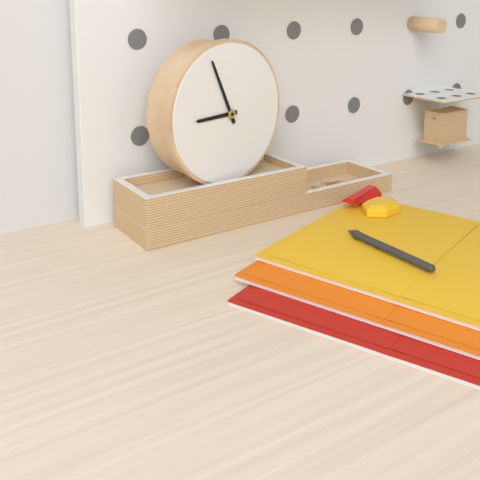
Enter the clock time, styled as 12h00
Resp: 8h56
